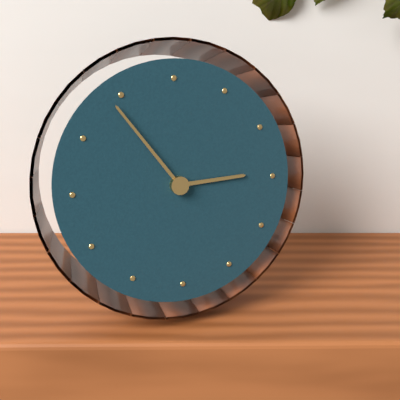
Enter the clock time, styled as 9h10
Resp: 2h54
